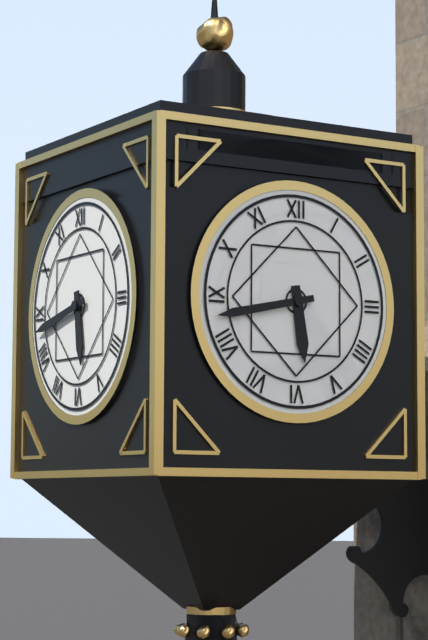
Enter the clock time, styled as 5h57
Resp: 5h43
